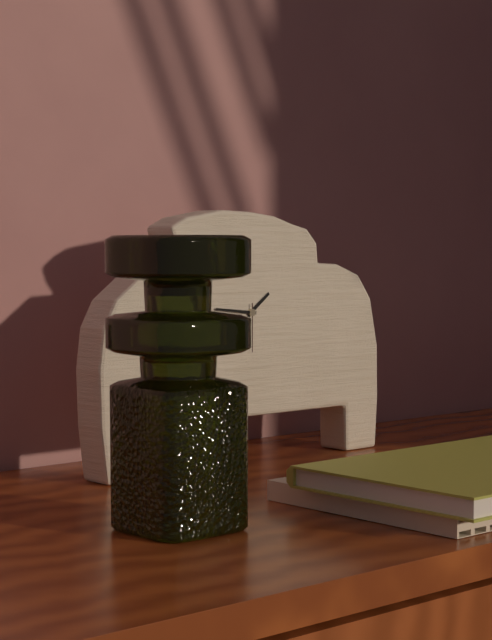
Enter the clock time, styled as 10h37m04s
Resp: 1h46m30s
